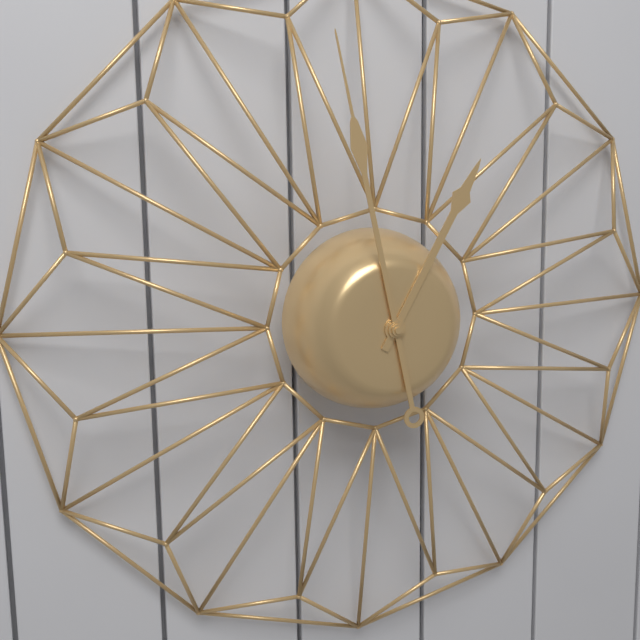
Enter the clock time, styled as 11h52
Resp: 12h58
